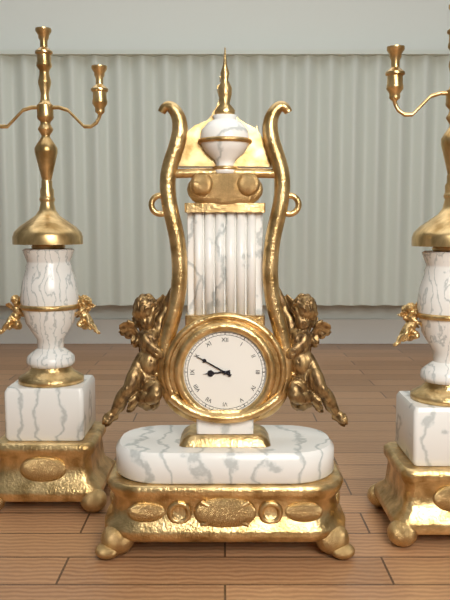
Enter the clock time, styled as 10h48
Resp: 8h50
